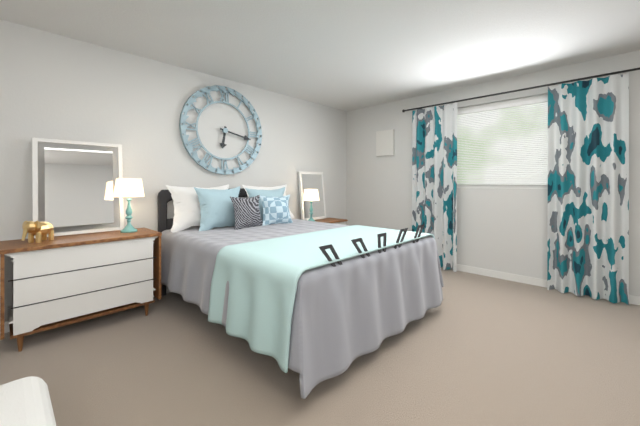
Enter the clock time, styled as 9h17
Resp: 6h17
